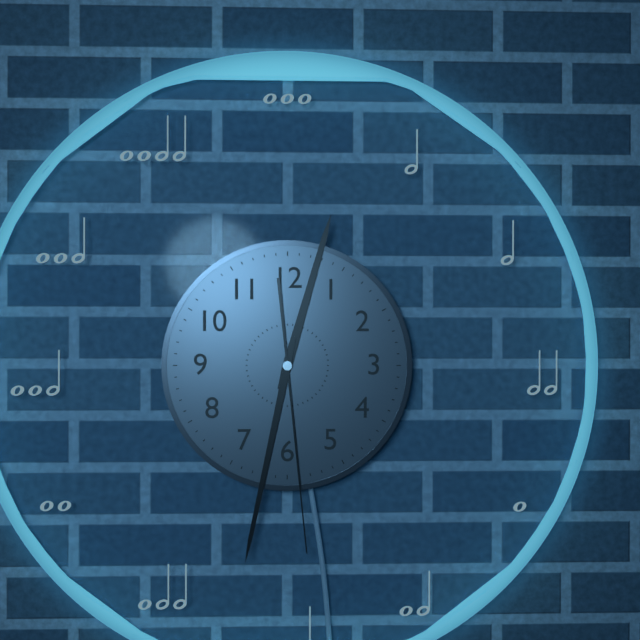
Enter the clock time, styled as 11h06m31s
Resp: 12h32m29s
